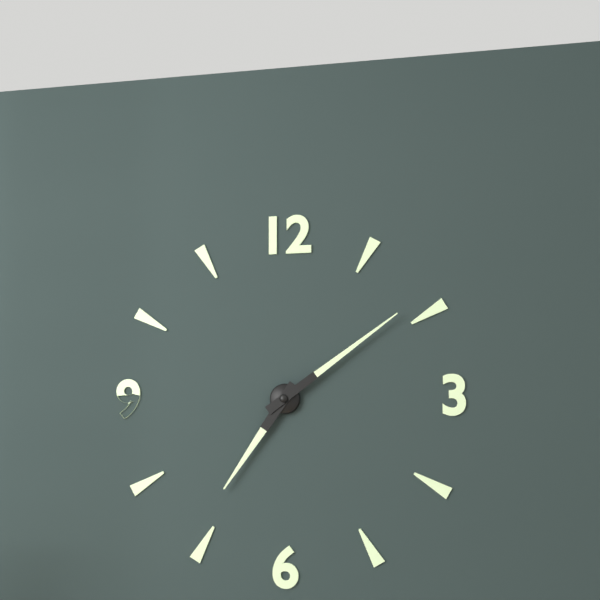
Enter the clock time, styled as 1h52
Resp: 7h09
